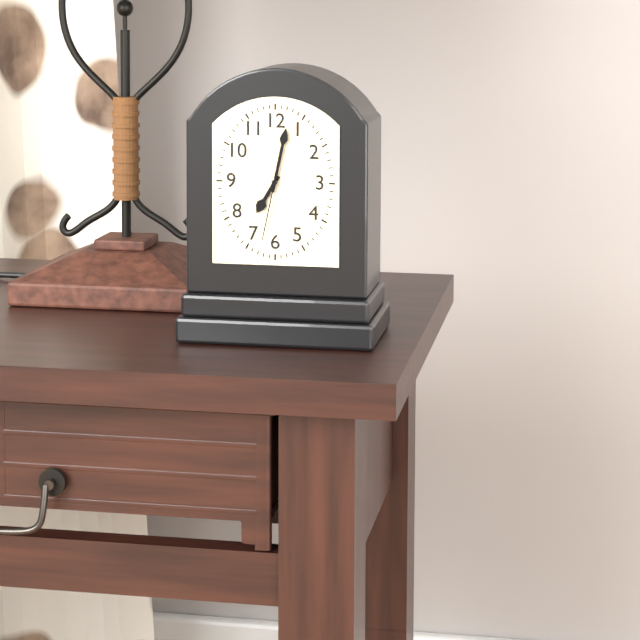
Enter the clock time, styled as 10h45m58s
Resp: 7h02m32s
